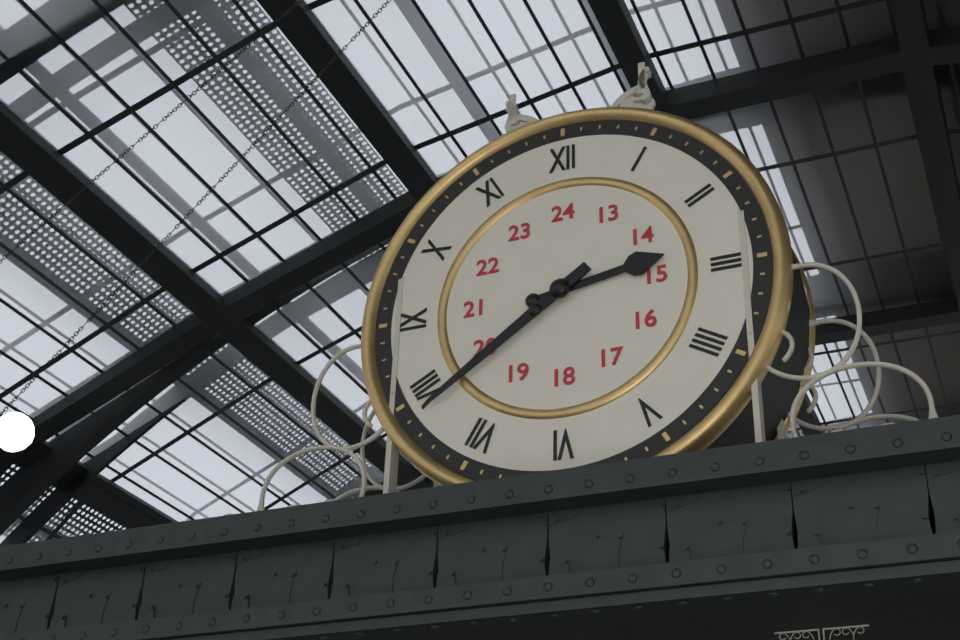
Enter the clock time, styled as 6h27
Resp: 2h39
